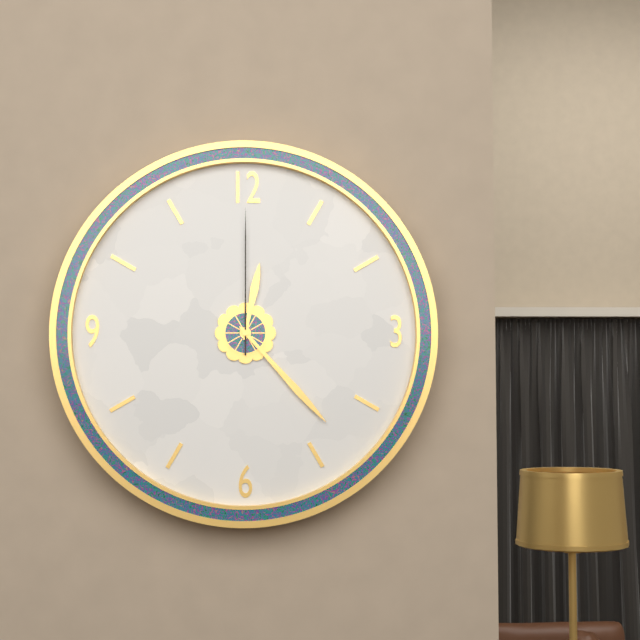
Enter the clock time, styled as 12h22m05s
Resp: 12h23m00s
